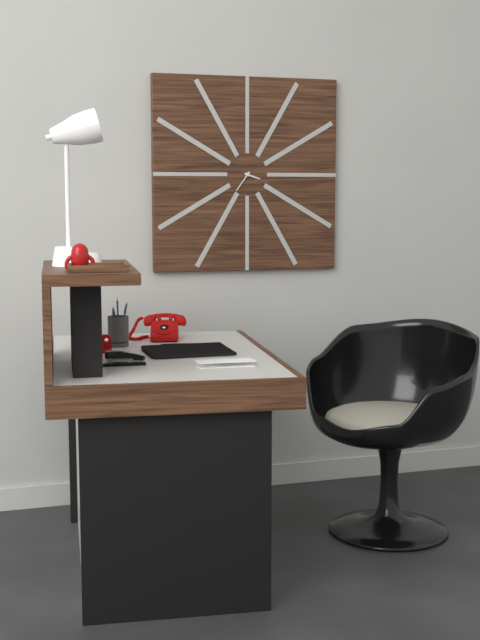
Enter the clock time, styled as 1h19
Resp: 3h36
